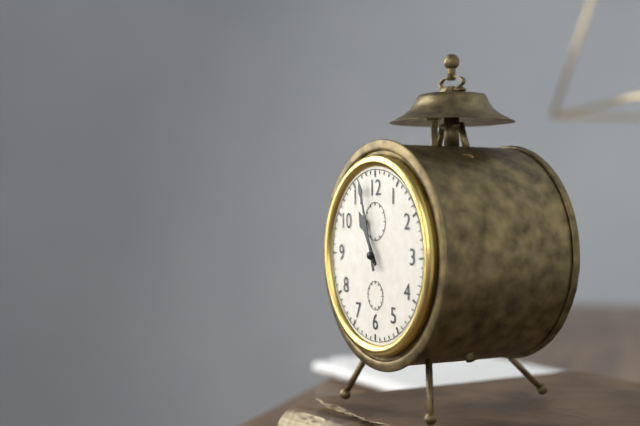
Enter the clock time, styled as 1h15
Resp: 10h57
